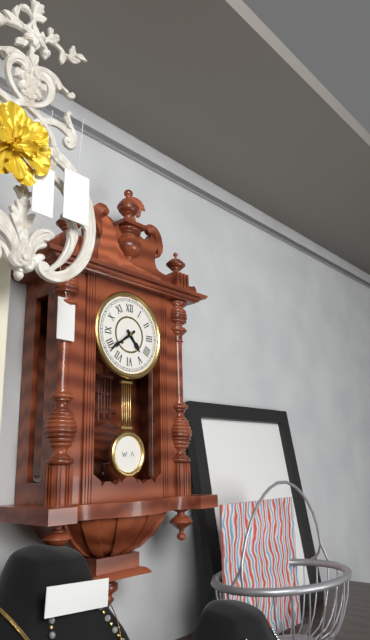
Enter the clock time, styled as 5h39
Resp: 4h39
